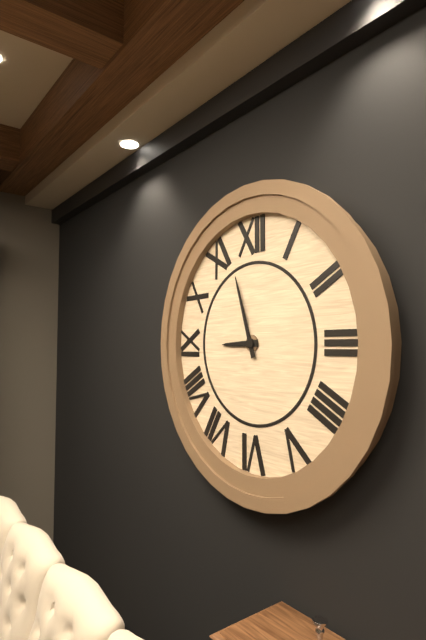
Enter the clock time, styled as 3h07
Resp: 8h57
